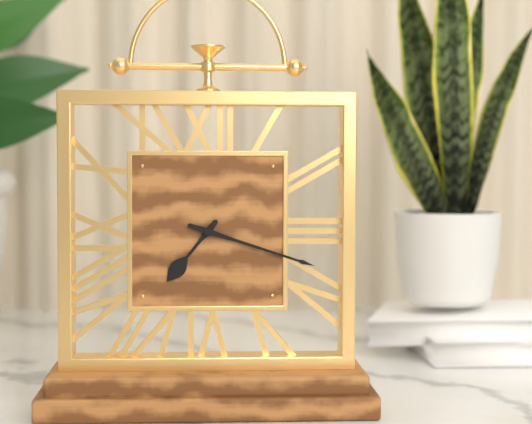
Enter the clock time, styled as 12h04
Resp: 7h18
